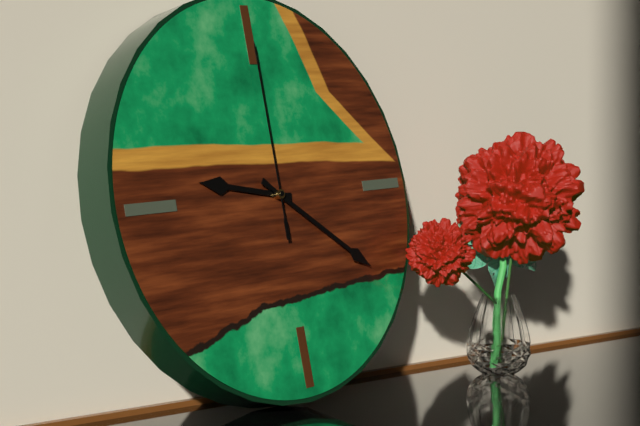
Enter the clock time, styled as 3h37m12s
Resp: 9h21m00s
